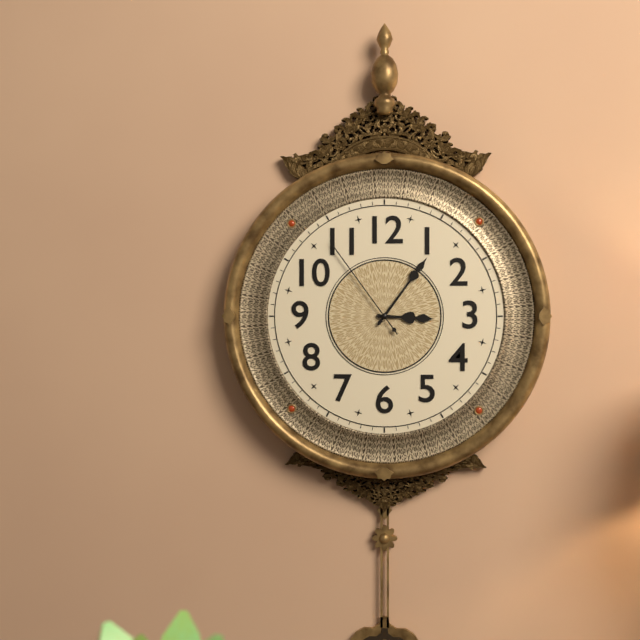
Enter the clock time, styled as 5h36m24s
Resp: 3h06m54s
